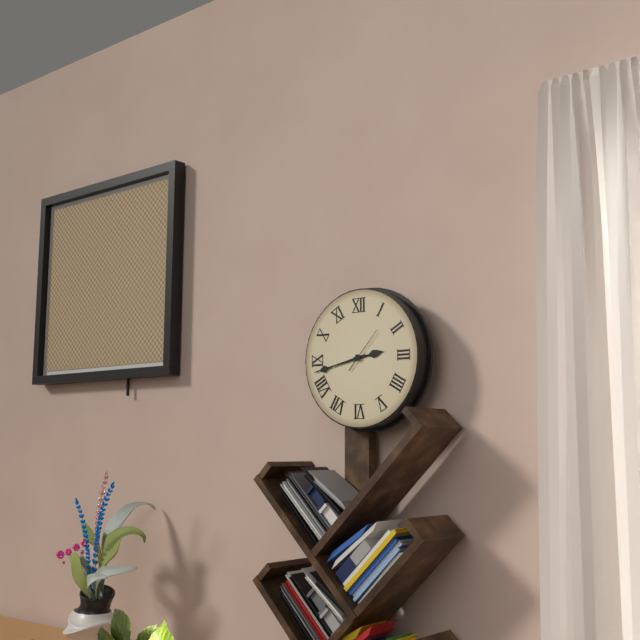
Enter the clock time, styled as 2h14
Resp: 2h43
